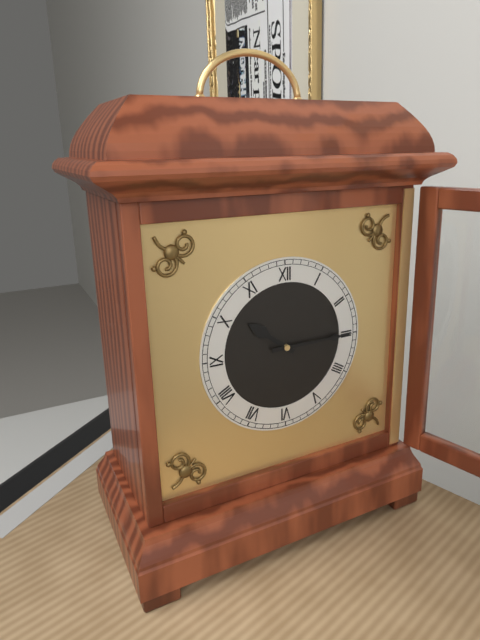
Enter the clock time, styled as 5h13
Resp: 10h15
